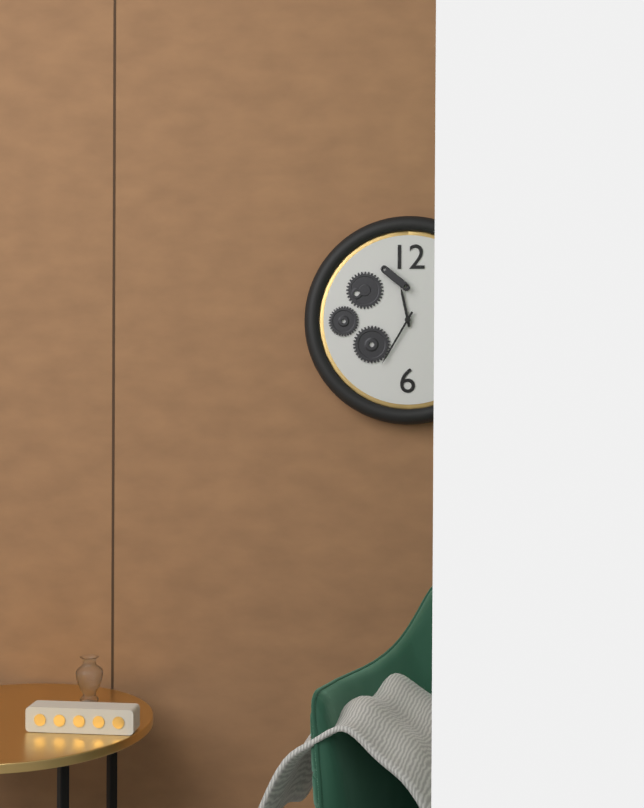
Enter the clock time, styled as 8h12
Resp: 11h35
